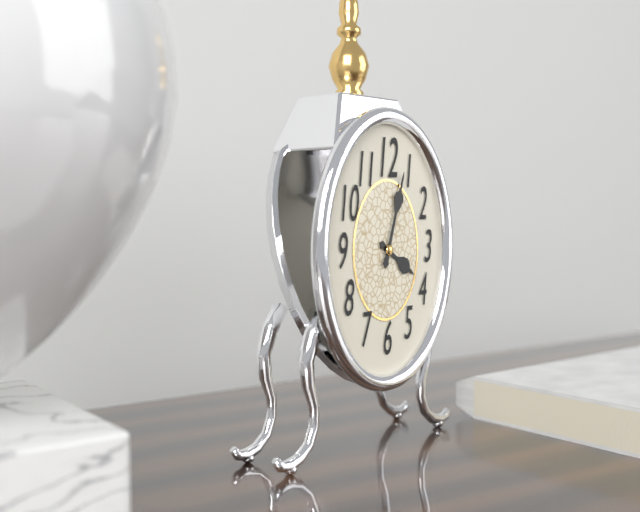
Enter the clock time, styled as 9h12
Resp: 4h03
